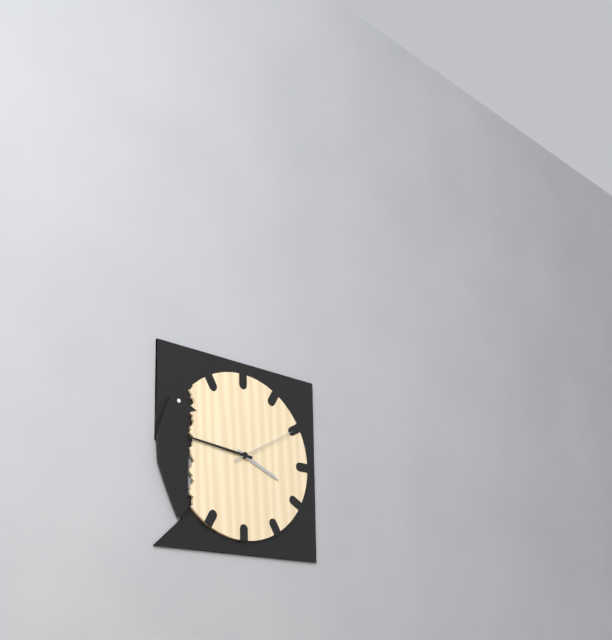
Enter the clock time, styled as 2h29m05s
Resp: 3h46m10s
